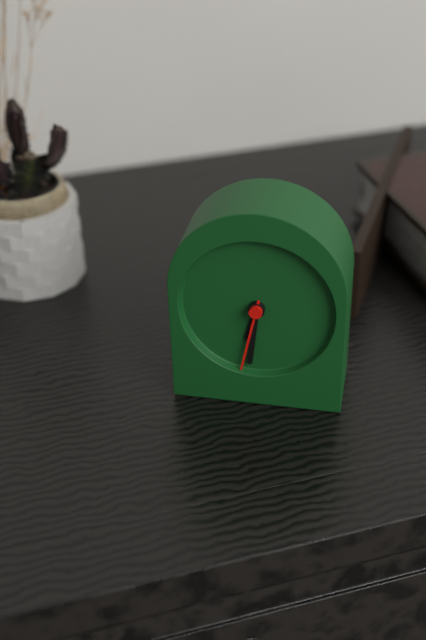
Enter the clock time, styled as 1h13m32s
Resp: 6h31m32s
